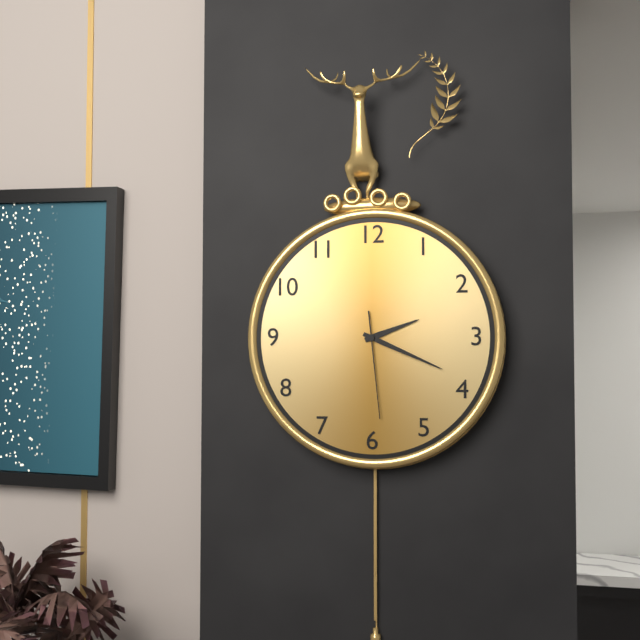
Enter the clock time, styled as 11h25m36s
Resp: 2h19m29s
